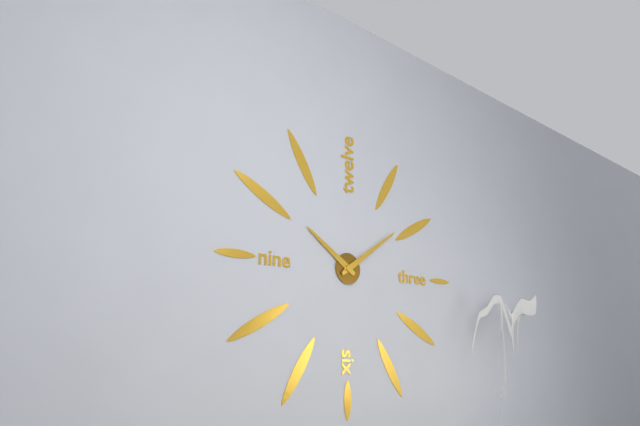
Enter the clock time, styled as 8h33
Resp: 10h09
